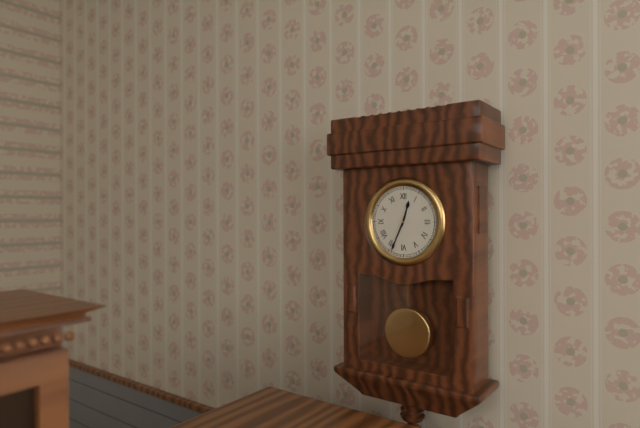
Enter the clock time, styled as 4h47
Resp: 12h34
